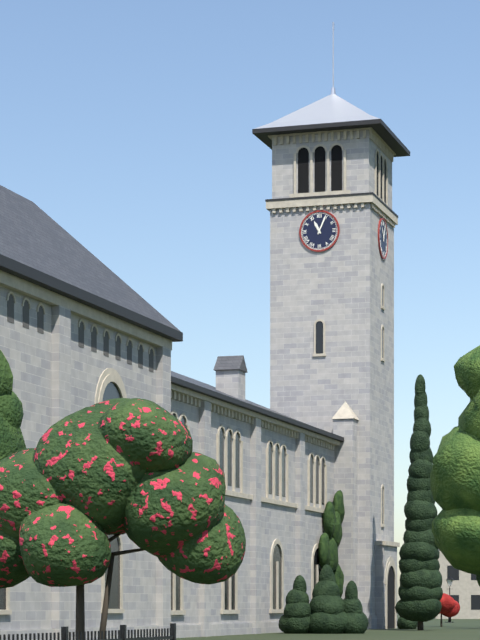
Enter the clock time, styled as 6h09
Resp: 11h04
